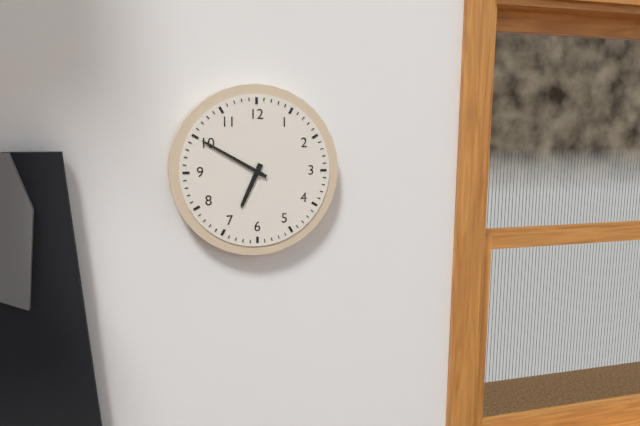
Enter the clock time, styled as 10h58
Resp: 6h50
